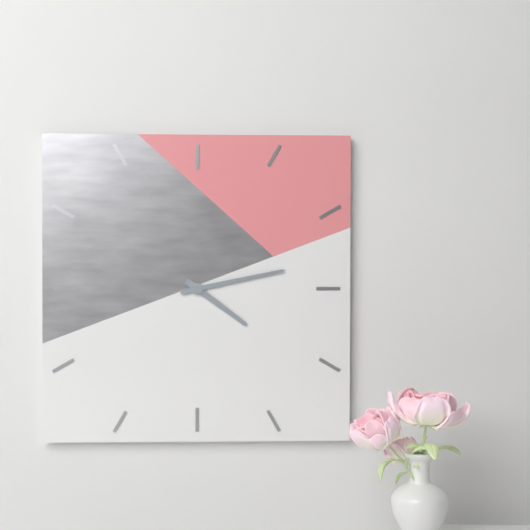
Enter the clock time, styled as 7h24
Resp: 4h13
